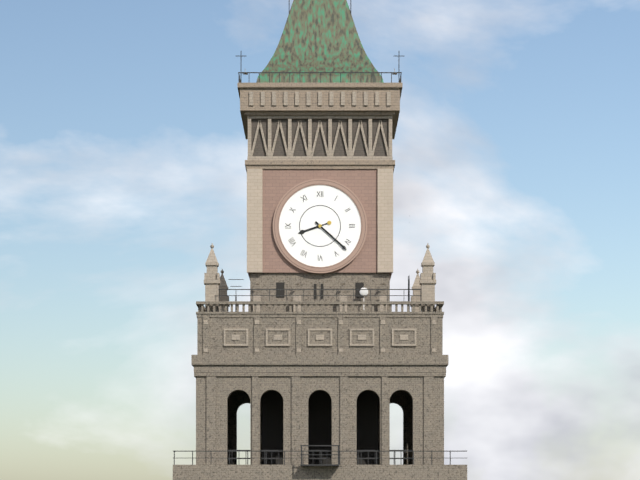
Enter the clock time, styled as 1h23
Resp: 8h22
